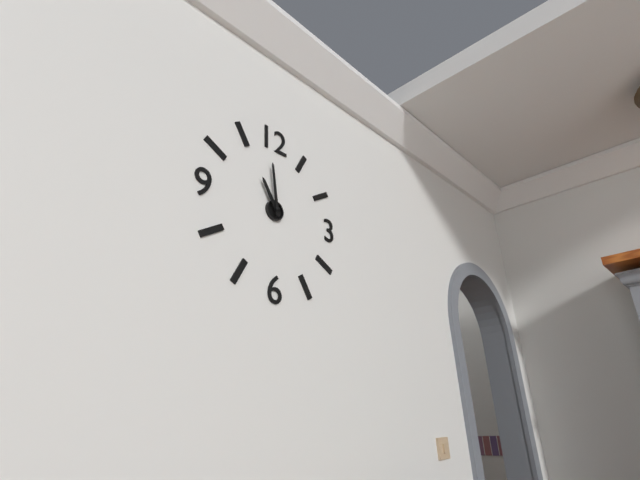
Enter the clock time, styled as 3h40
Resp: 10h59
